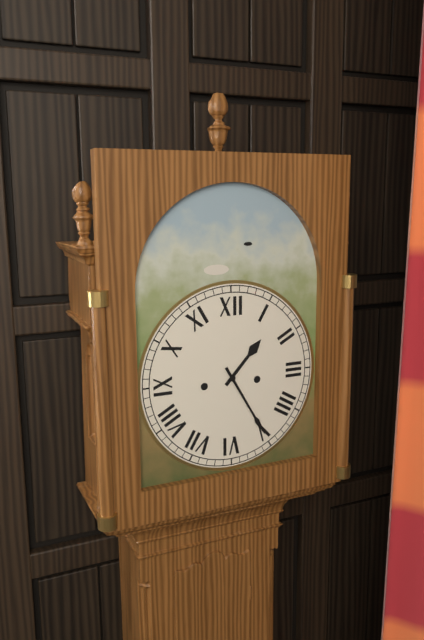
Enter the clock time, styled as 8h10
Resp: 1h25
